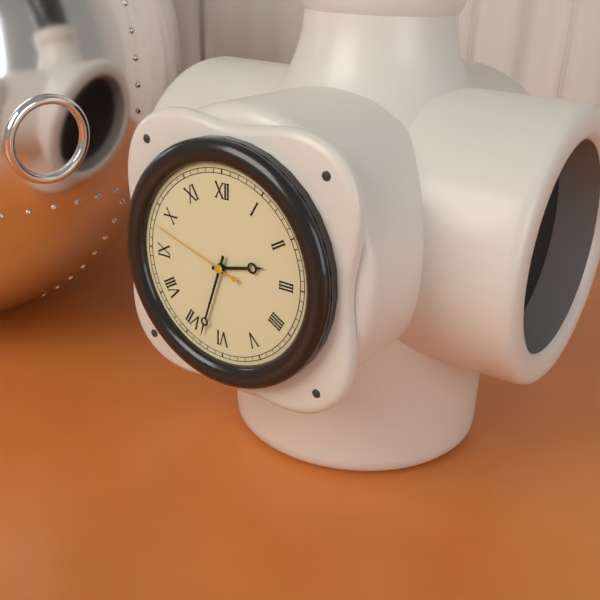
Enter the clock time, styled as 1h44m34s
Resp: 2h33m48s
